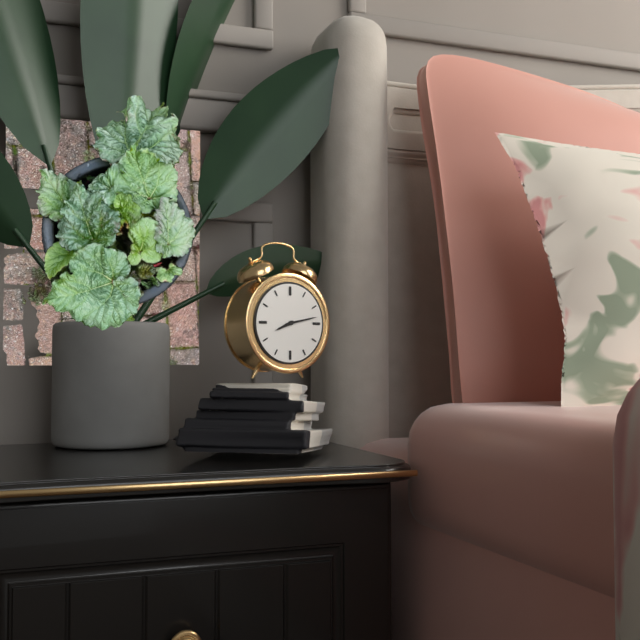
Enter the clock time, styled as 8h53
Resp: 8h13
